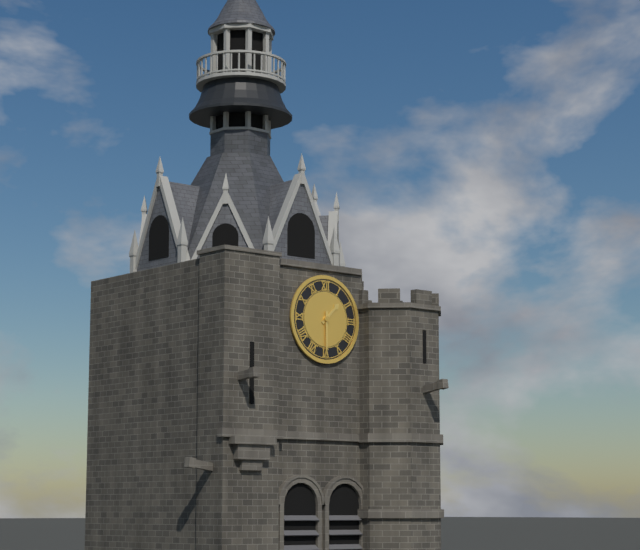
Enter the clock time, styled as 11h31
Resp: 1h30
